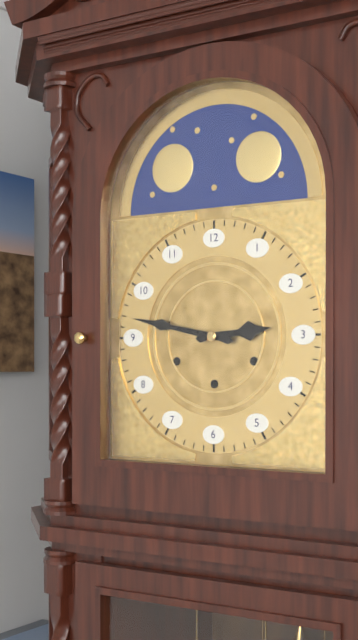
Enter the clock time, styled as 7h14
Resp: 2h47
